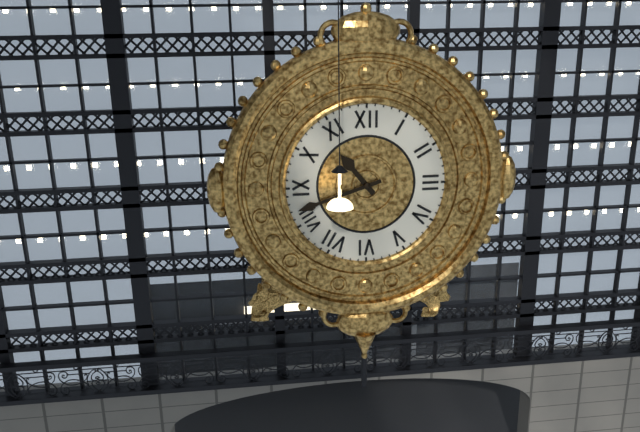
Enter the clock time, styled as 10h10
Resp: 10h42
